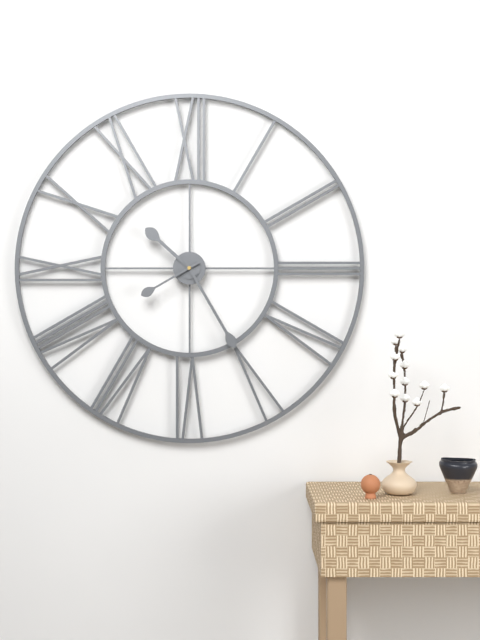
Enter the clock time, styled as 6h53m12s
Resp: 10h25m40s
